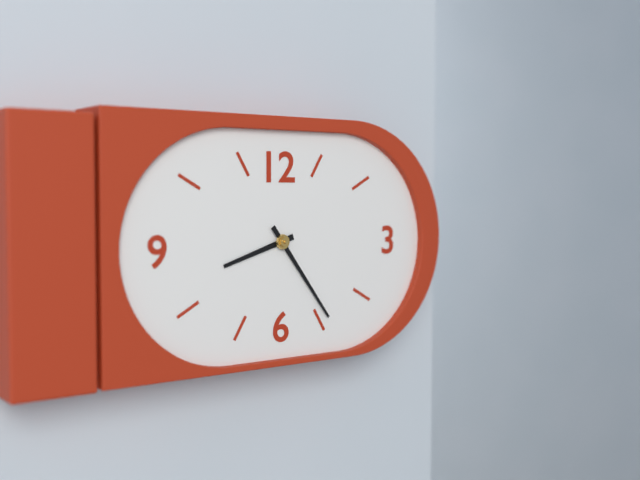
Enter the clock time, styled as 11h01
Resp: 8h24
